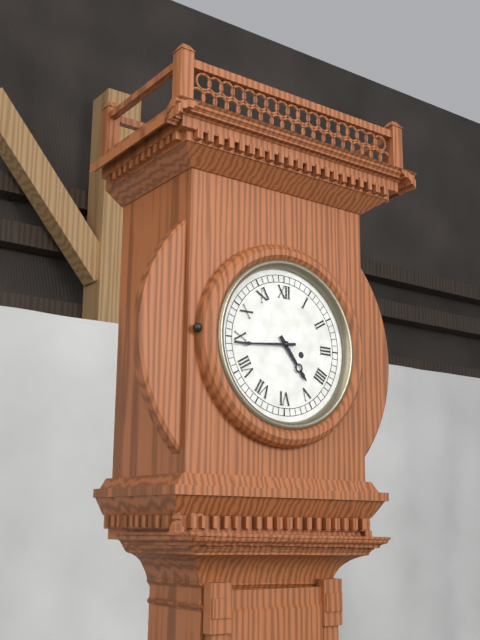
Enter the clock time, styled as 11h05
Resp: 4h44
